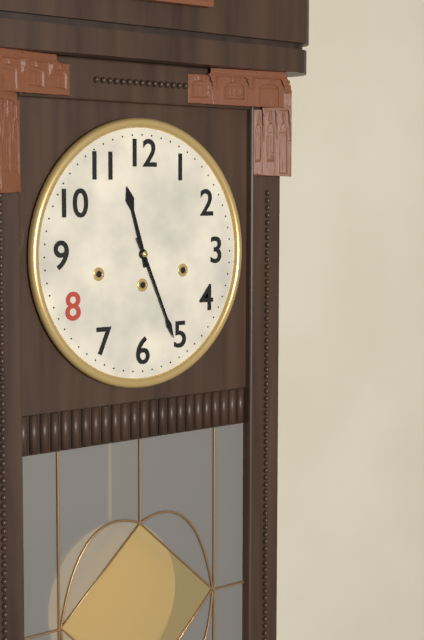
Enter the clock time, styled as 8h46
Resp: 11h26
